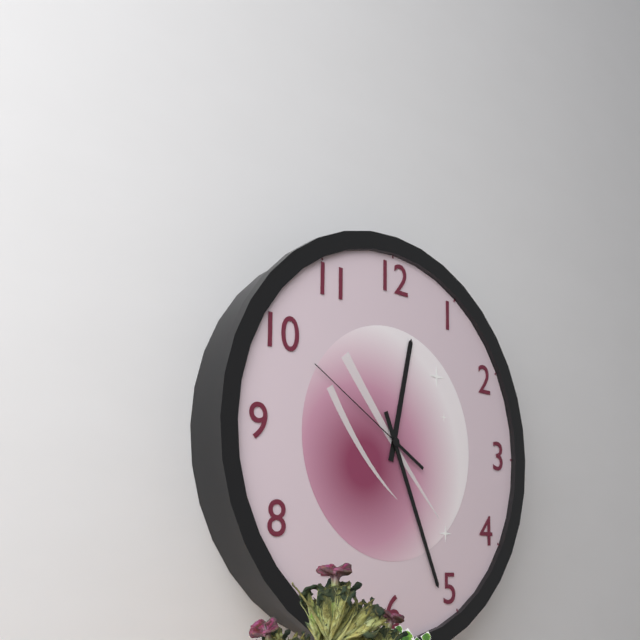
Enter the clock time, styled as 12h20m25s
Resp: 12h26m50s
